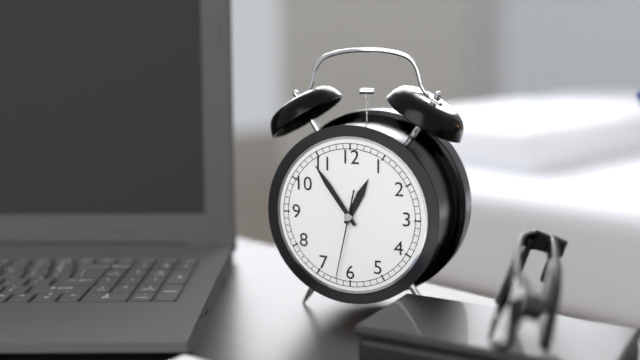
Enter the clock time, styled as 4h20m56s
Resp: 12h54m32s
